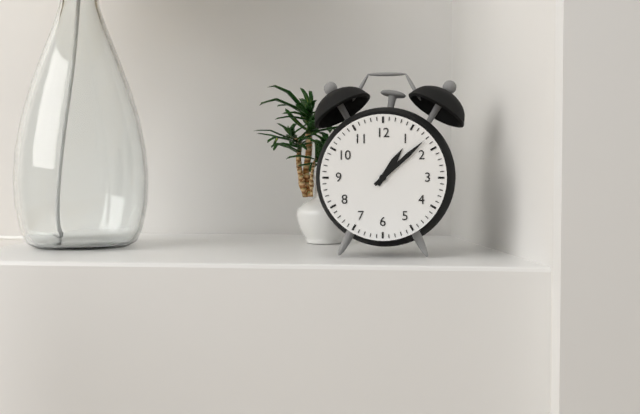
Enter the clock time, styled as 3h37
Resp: 1h08
